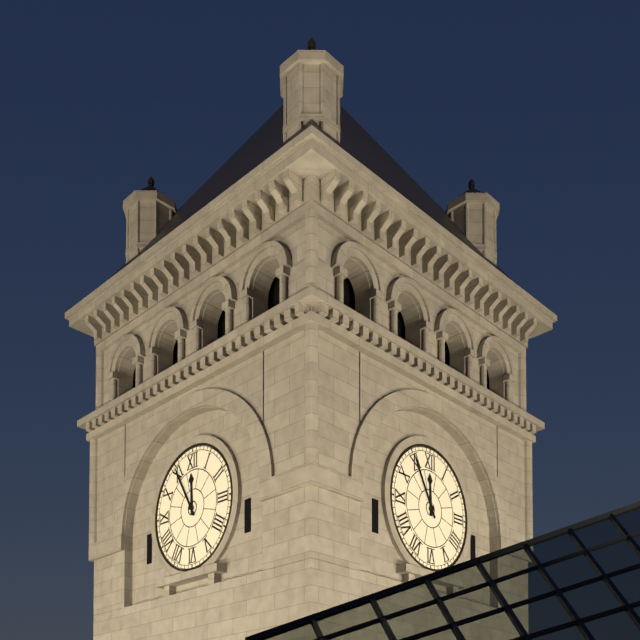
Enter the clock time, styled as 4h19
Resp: 11h55
